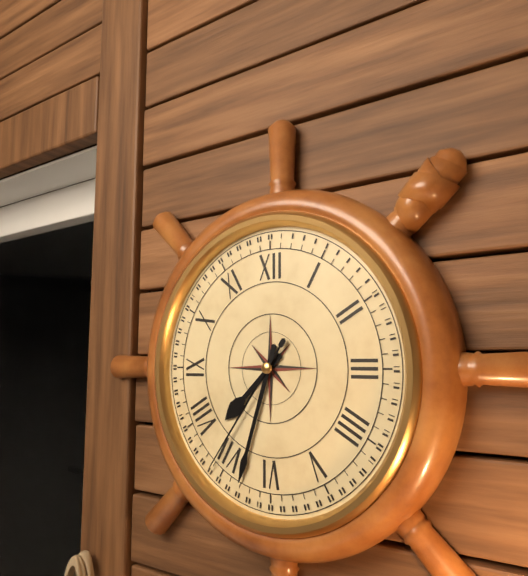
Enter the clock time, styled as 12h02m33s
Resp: 7h33m36s
